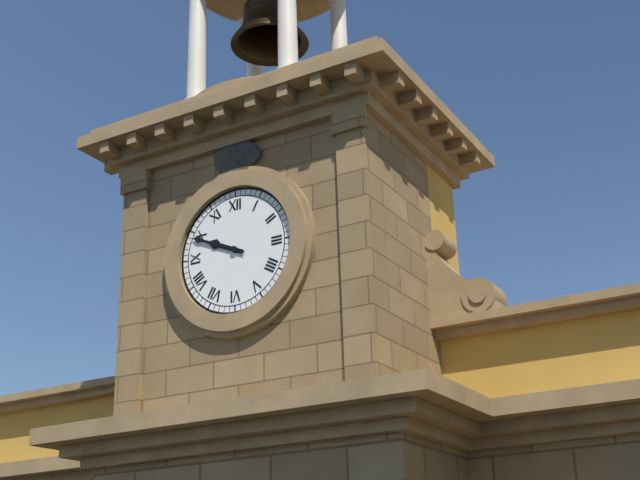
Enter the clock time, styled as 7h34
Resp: 9h49
